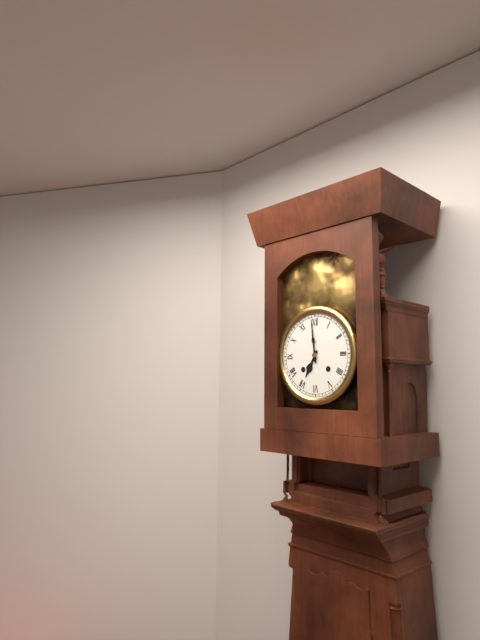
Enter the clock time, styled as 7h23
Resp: 6h59
